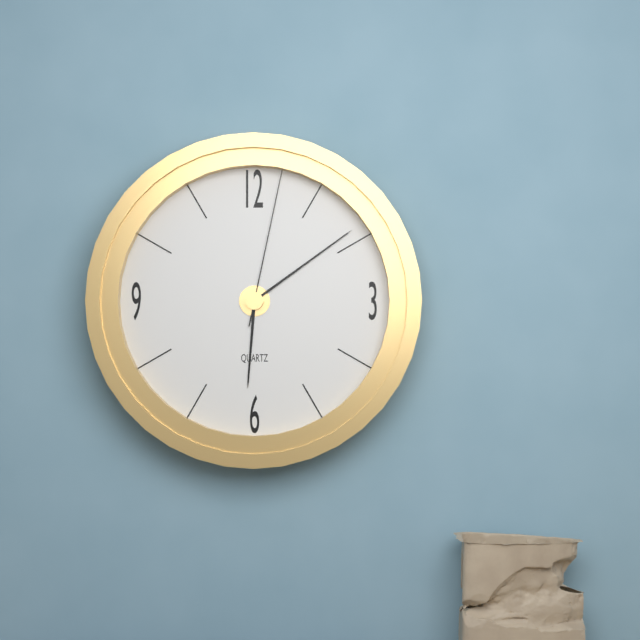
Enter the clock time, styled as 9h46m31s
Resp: 6h09m02s
